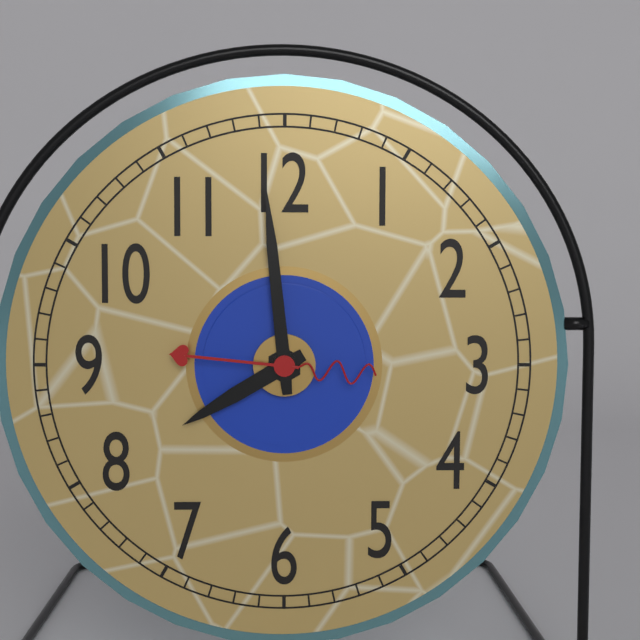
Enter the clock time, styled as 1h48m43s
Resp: 7h59m46s
